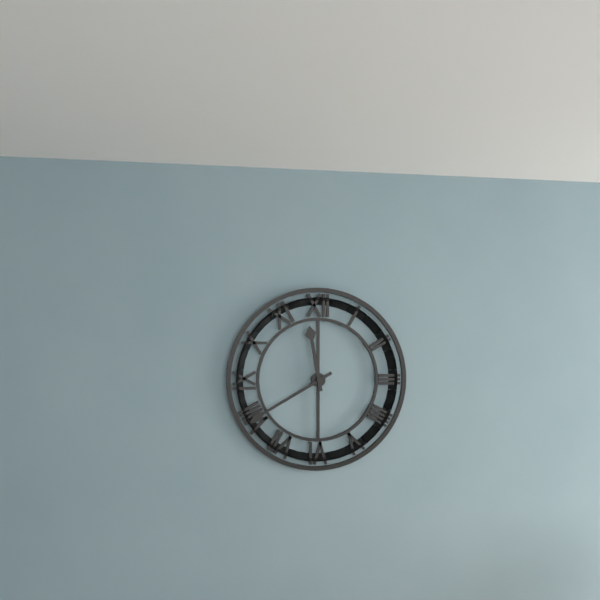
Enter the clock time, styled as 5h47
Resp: 11h40
